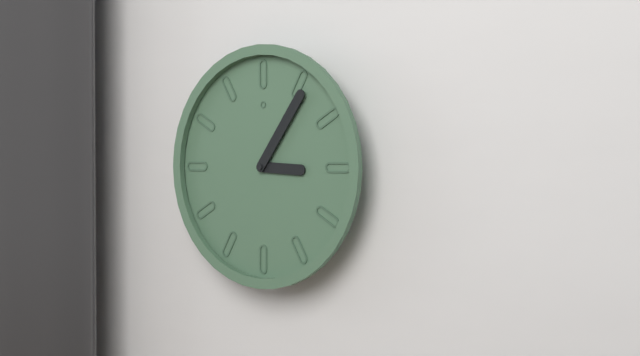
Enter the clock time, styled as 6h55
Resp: 3h06
